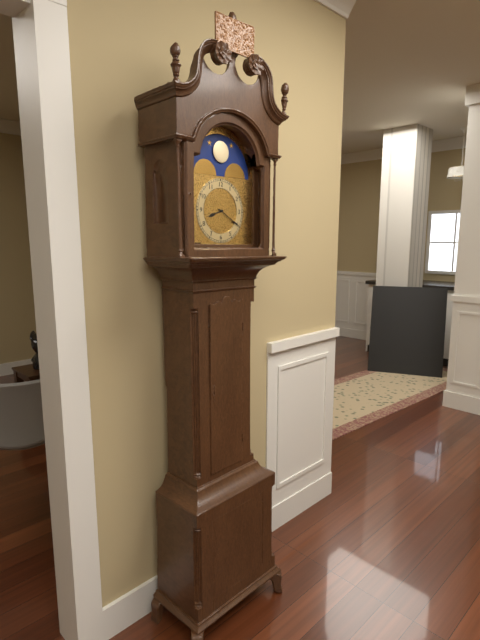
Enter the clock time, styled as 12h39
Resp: 8h20
